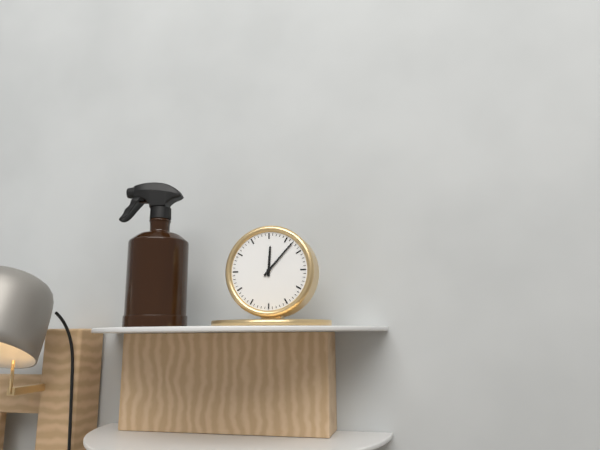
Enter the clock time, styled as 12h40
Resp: 12h07
